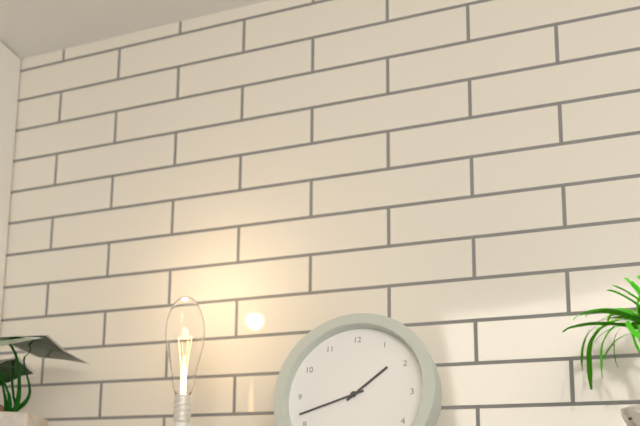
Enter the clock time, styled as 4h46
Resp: 1h42
